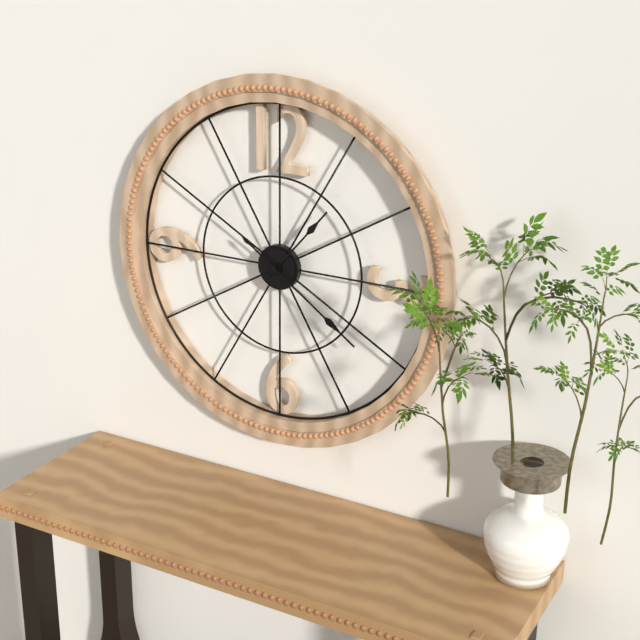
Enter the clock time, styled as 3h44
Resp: 1h21
